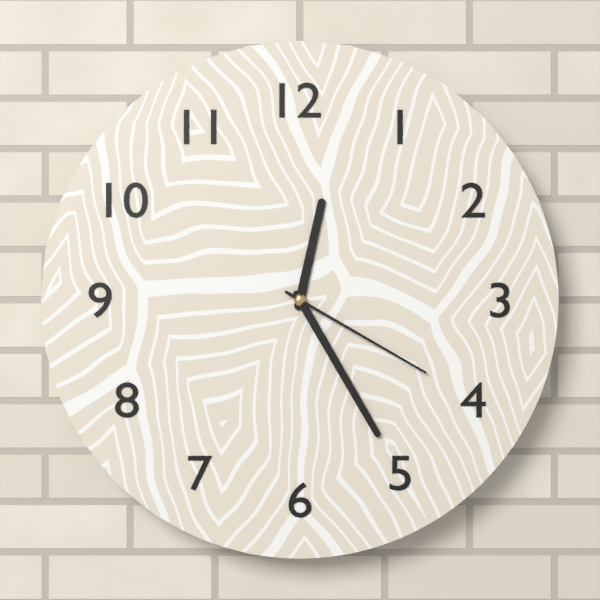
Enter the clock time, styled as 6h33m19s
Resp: 12h25m20s
